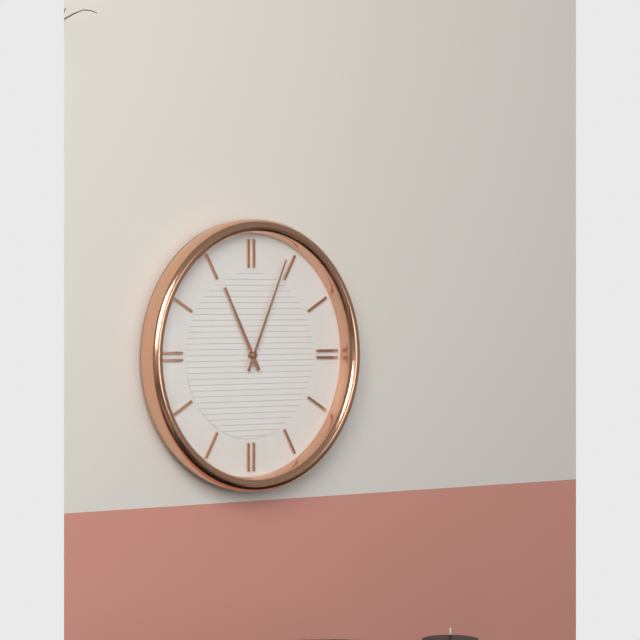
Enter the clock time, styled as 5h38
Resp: 11h04
